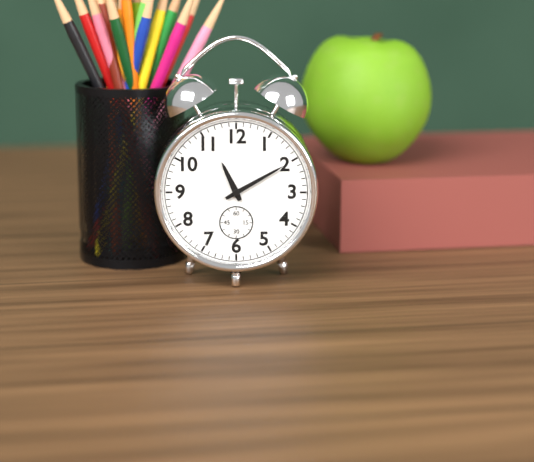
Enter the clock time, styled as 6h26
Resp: 11h10
